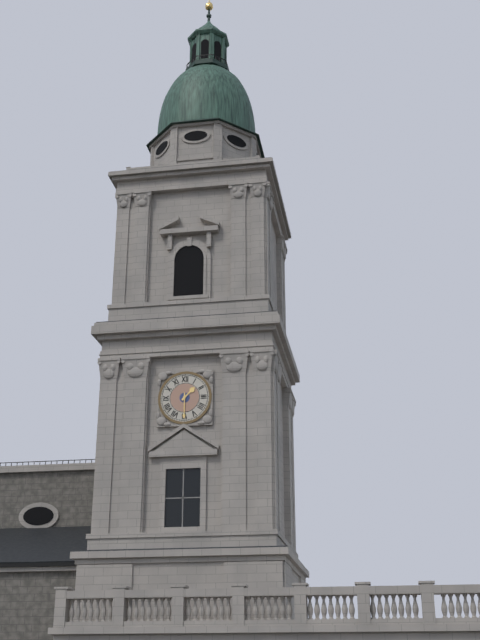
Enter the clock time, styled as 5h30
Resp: 1h30
